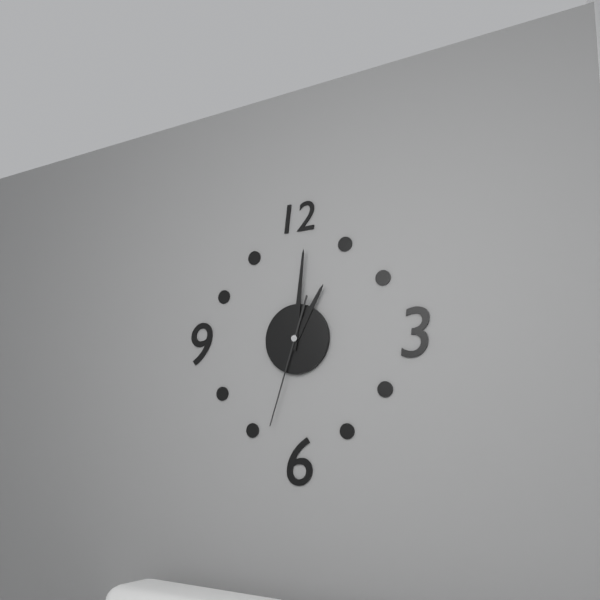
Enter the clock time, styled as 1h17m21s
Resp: 1h01m33s
